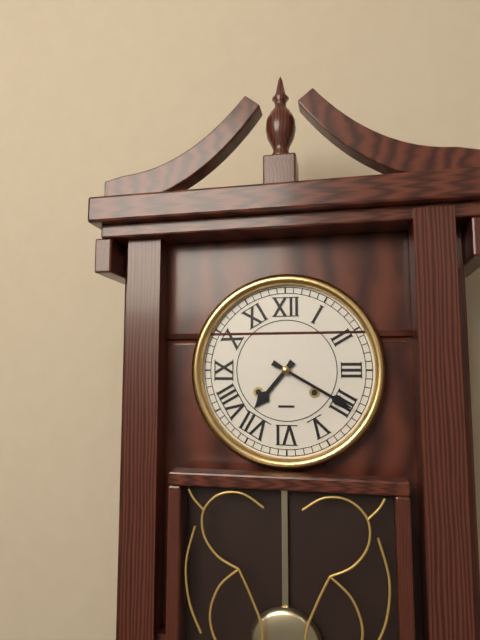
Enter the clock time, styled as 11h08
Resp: 7h20
